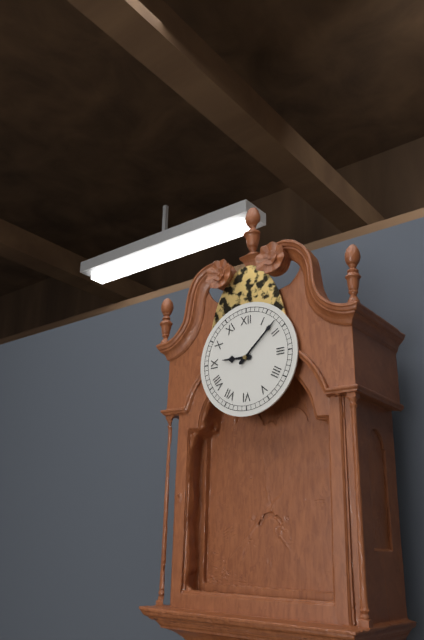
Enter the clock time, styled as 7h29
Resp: 9h08
